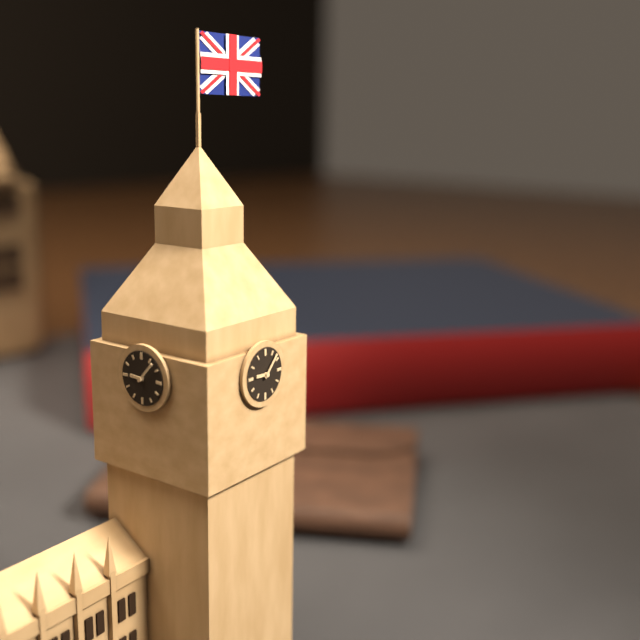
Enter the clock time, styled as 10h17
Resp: 9h07
